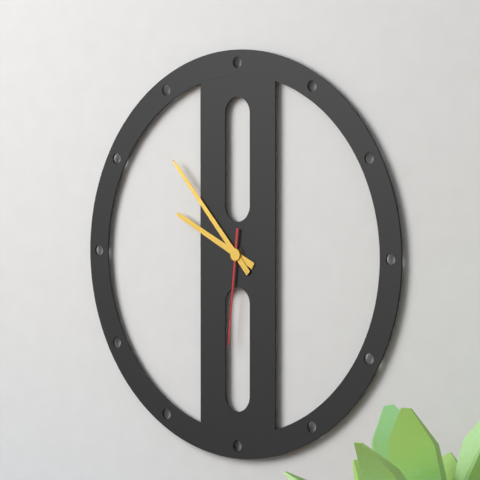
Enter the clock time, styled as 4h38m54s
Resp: 9h53m31s
